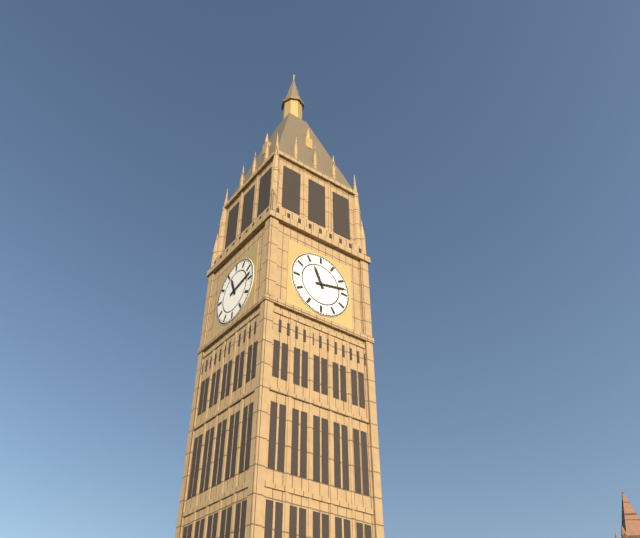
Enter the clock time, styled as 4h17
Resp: 11h13
